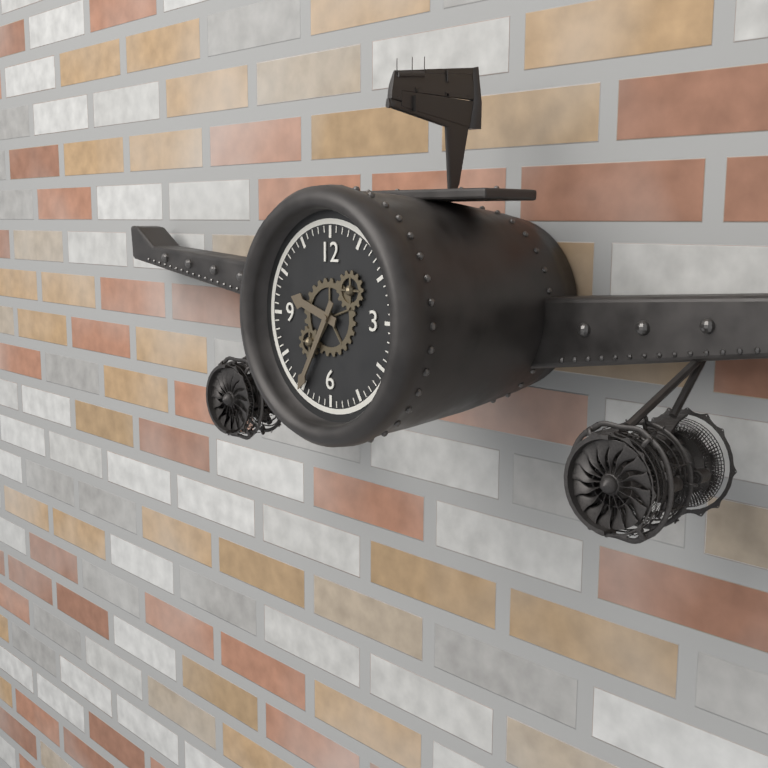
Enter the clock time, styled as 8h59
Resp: 9h35
